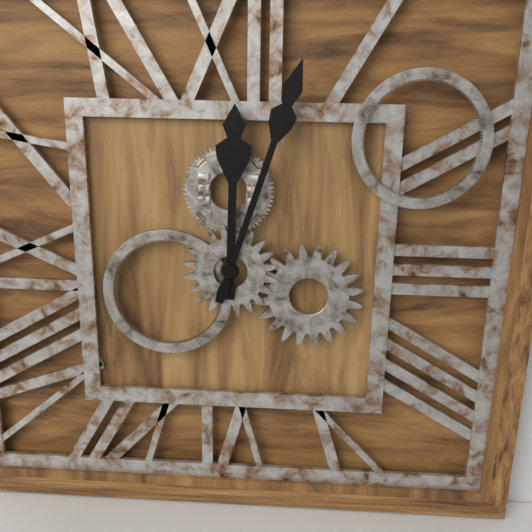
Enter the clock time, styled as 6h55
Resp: 12h03
